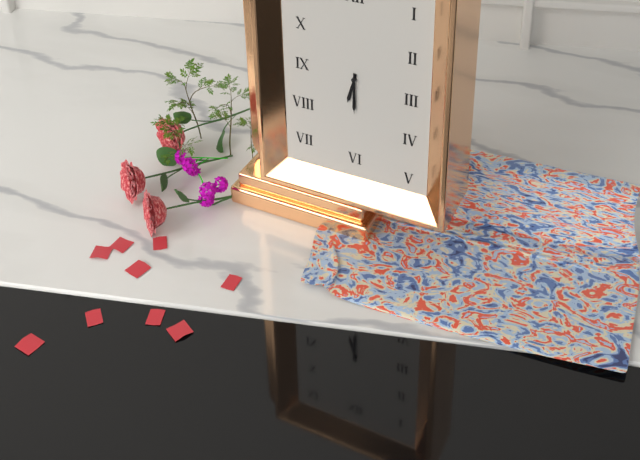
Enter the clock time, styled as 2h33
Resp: 6h30
